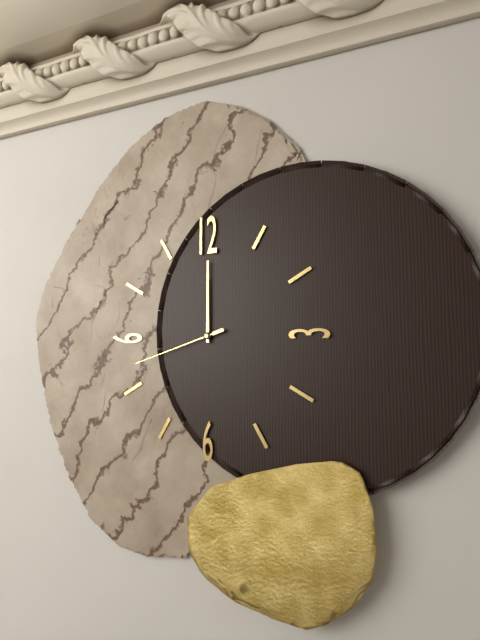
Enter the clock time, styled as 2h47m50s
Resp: 12h00m42s
